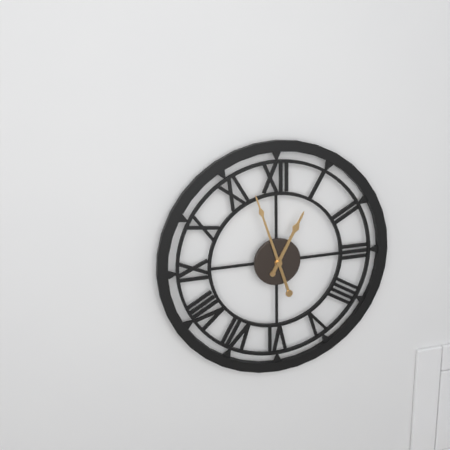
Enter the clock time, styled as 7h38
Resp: 12h57
